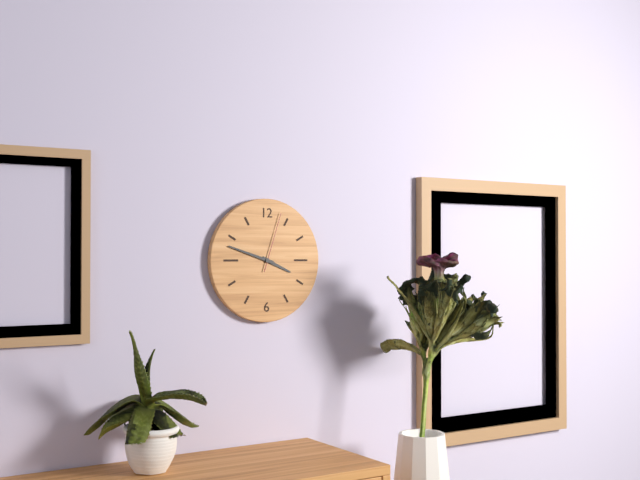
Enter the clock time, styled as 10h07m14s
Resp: 3h48m03s
